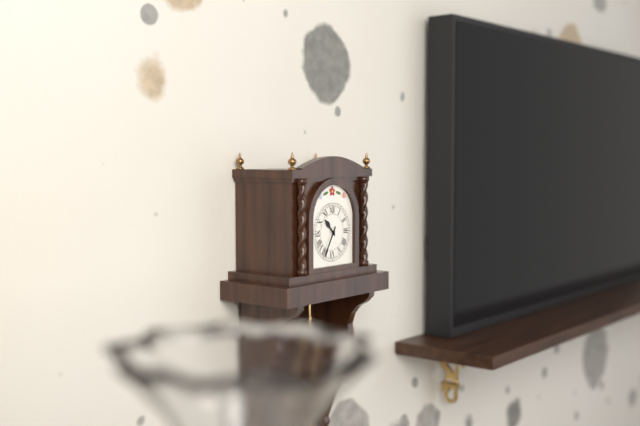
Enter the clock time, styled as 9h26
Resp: 10h35
